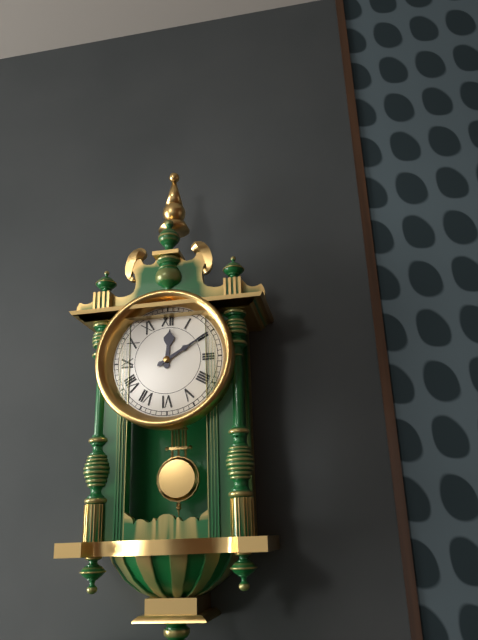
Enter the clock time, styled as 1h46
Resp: 12h10
